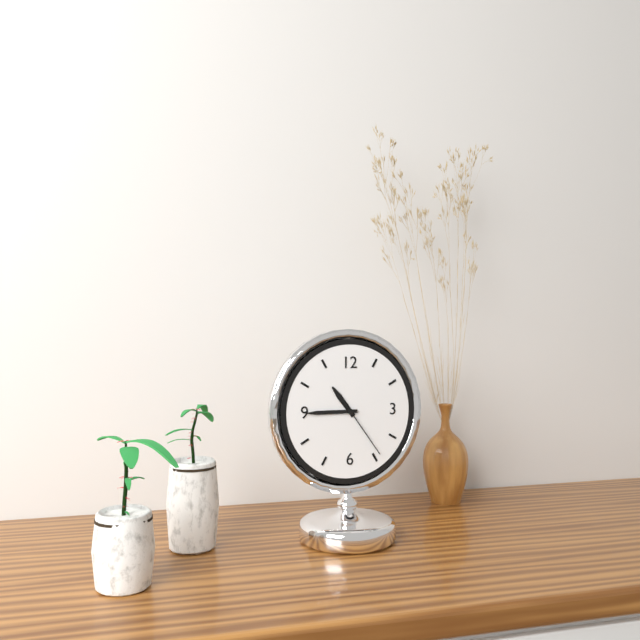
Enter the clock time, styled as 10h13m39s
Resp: 10h45m24s
